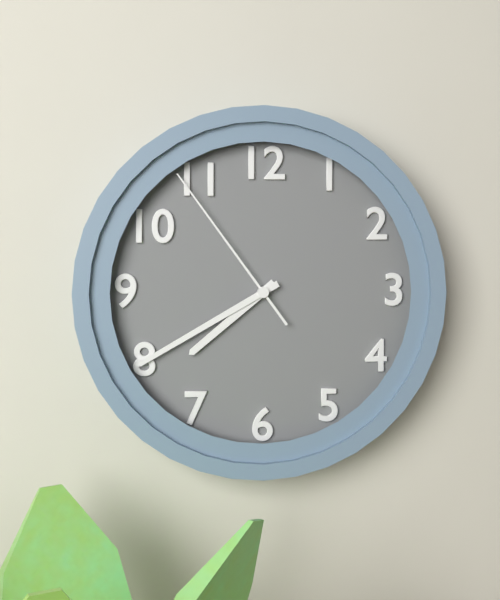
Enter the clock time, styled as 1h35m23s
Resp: 7h40m54s
